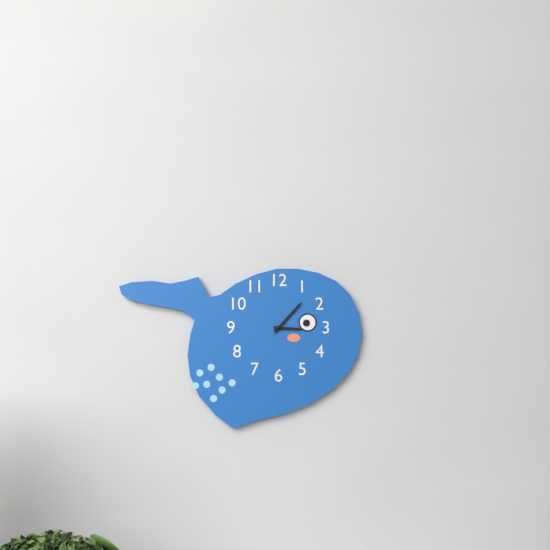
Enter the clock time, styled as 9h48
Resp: 3h07
